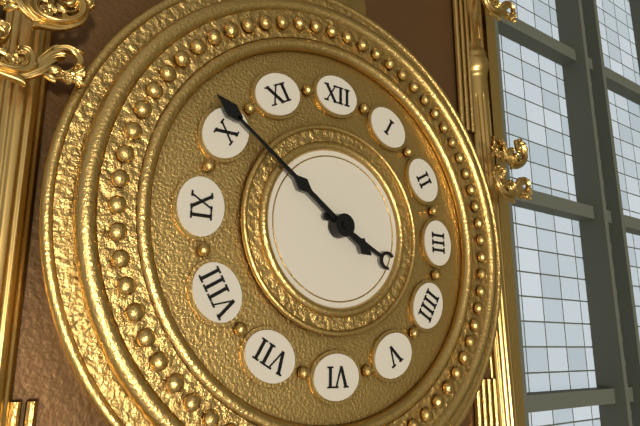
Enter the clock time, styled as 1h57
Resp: 3h51
